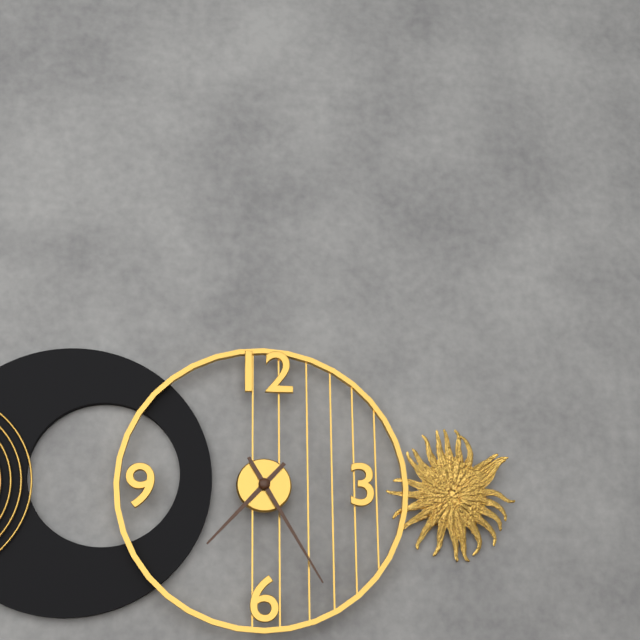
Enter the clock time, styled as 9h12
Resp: 7h25
